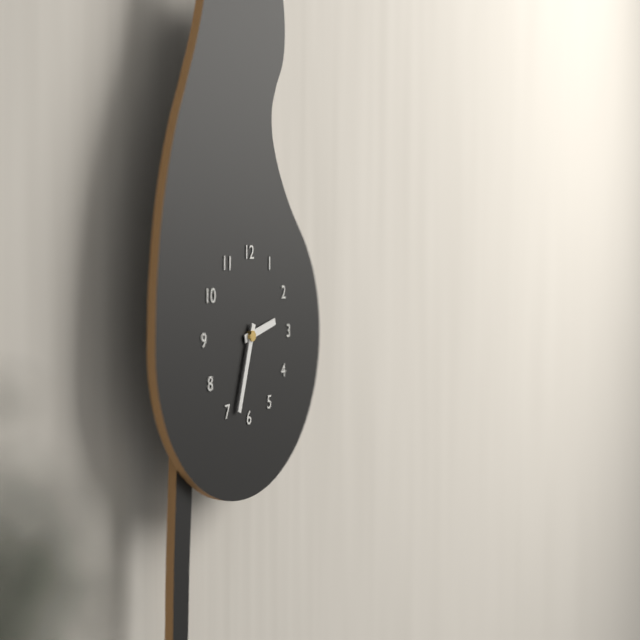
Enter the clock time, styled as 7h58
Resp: 2h33
